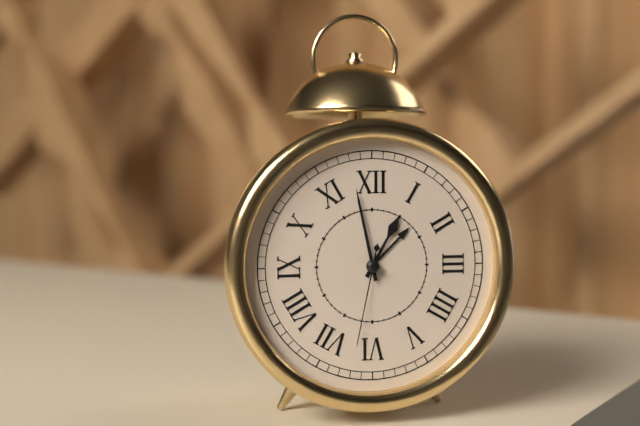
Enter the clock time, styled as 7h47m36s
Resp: 12h58m32s
